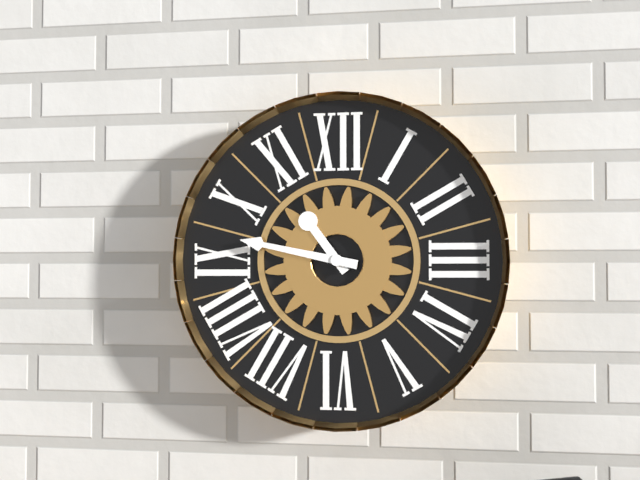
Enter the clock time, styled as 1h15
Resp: 10h47
